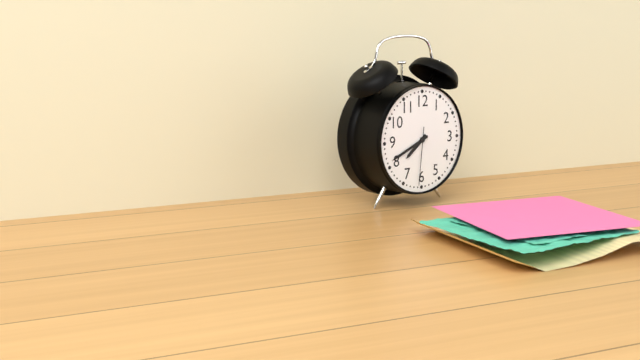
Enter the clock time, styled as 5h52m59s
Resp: 7h41m31s
